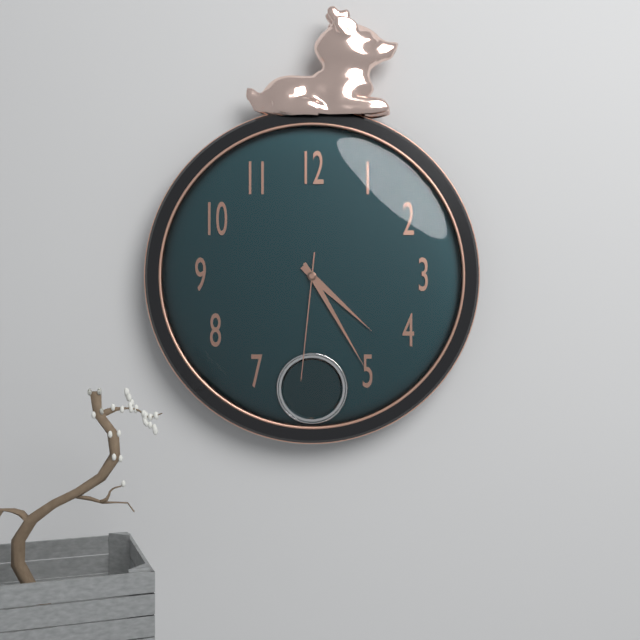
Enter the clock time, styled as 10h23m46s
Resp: 4h25m31s
